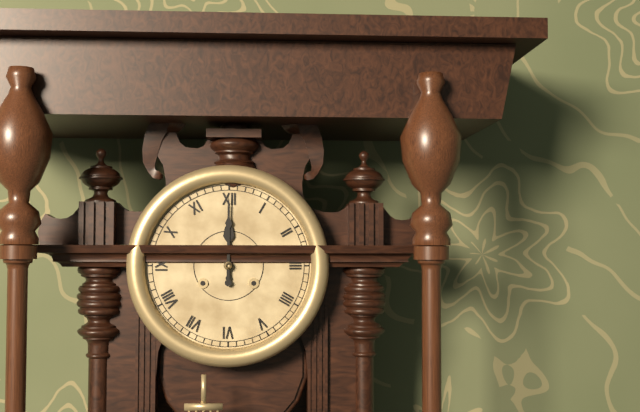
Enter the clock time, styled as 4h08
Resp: 12h00
